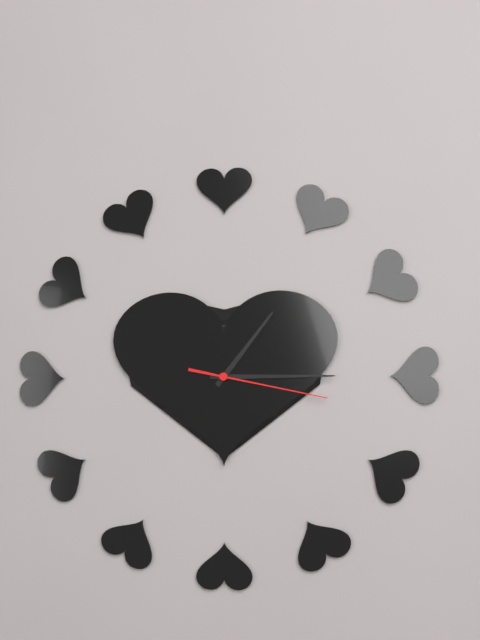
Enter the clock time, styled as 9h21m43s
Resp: 1h15m17s
